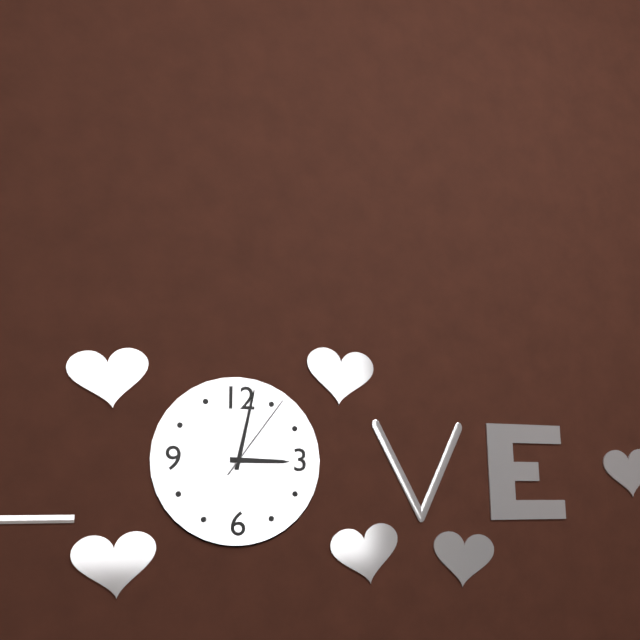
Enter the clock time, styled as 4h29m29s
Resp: 3h02m06s
